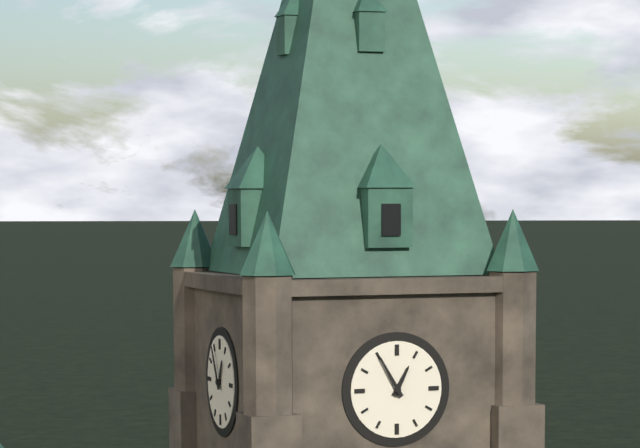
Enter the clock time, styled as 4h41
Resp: 12h55
